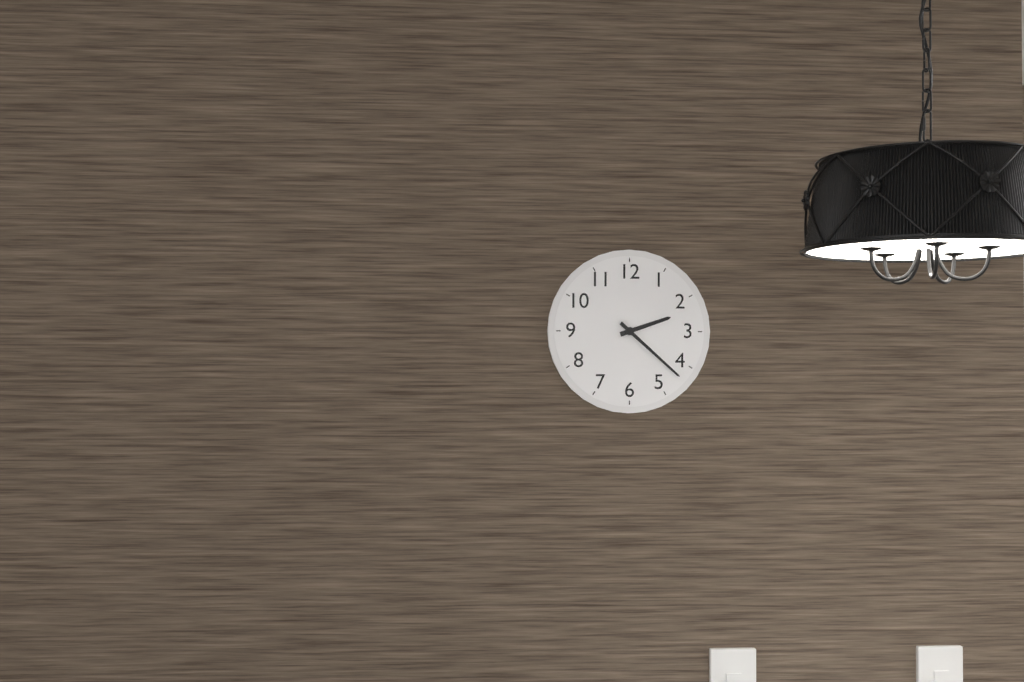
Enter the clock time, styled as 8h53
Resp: 2h22
